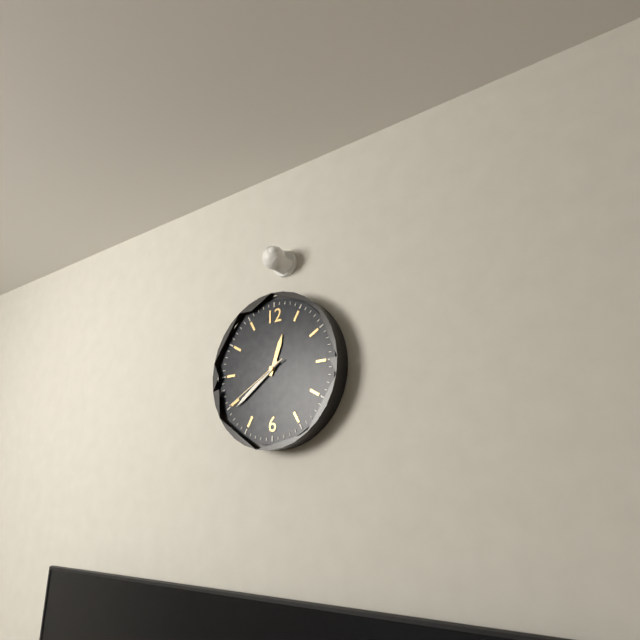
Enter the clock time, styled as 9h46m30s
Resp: 12h39m40s
